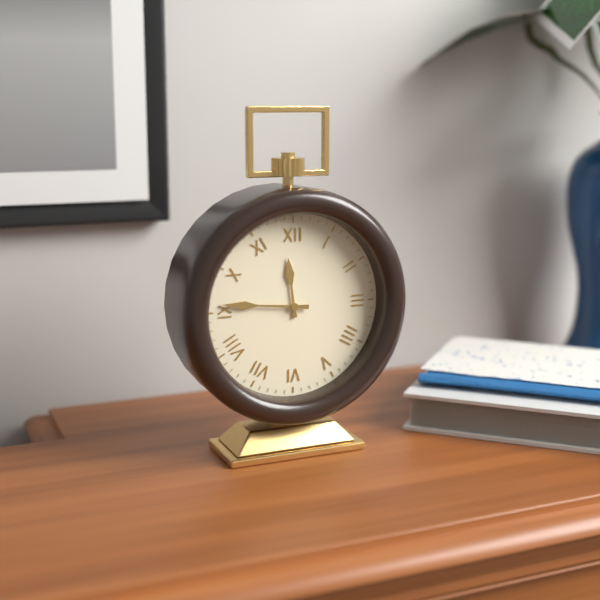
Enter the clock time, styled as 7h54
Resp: 11h46
